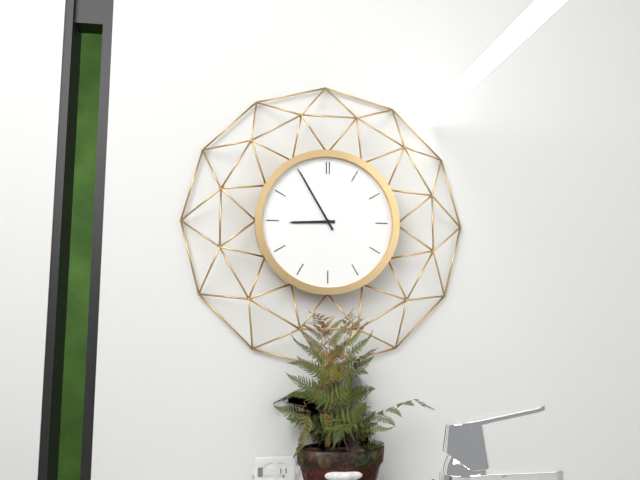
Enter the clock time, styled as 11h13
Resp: 8h55
